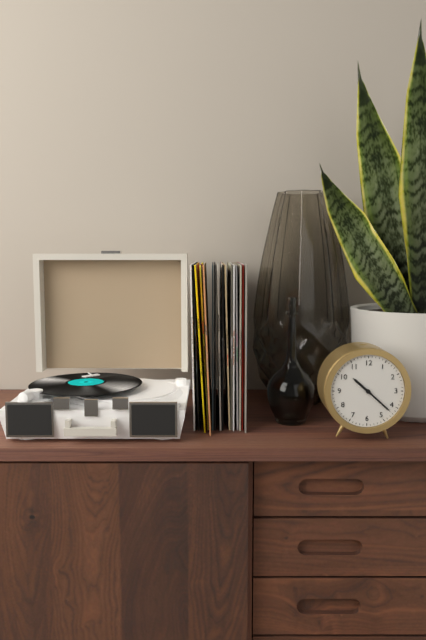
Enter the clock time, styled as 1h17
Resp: 10h22
